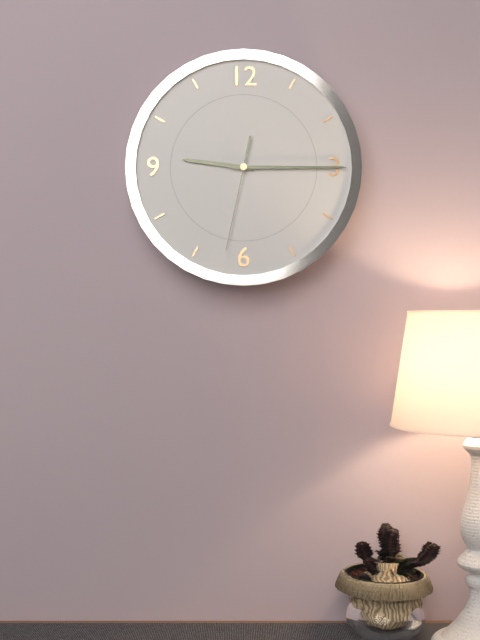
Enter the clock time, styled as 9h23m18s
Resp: 9h15m32s
